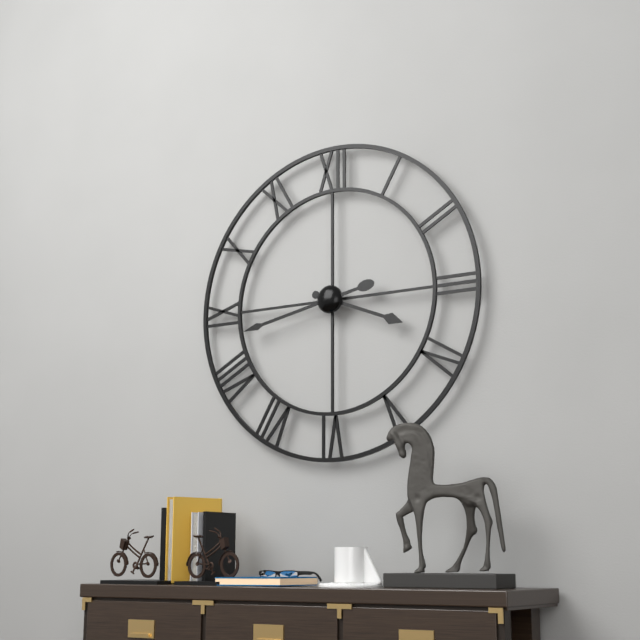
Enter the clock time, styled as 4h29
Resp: 3h43
